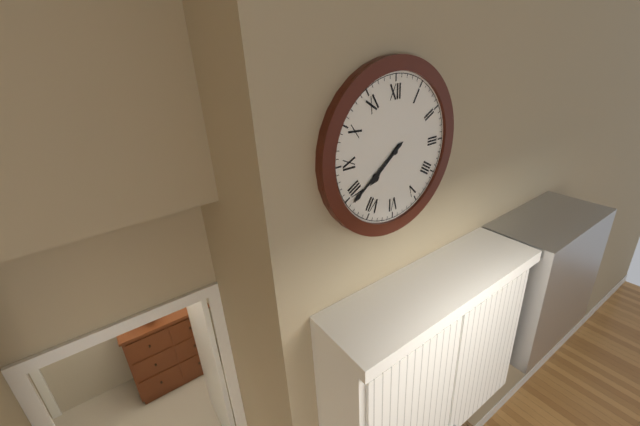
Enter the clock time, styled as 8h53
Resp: 7h39
